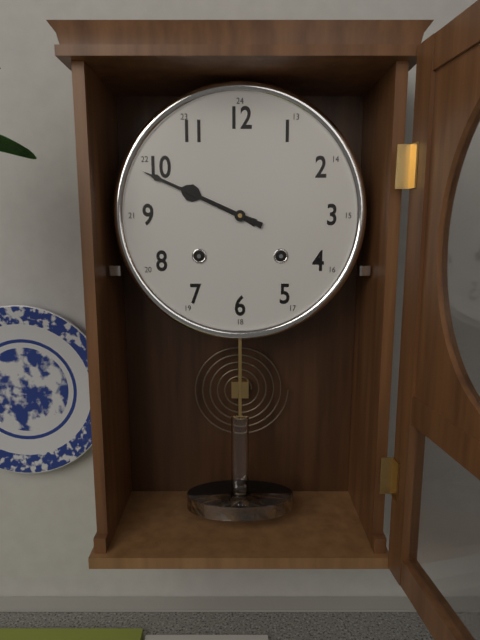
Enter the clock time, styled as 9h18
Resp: 9h49
